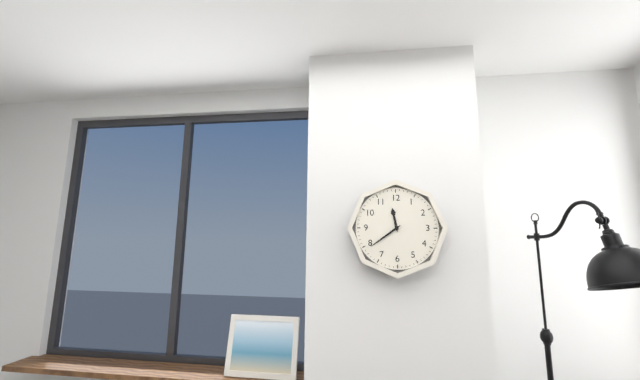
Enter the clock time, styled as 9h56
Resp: 11h39
